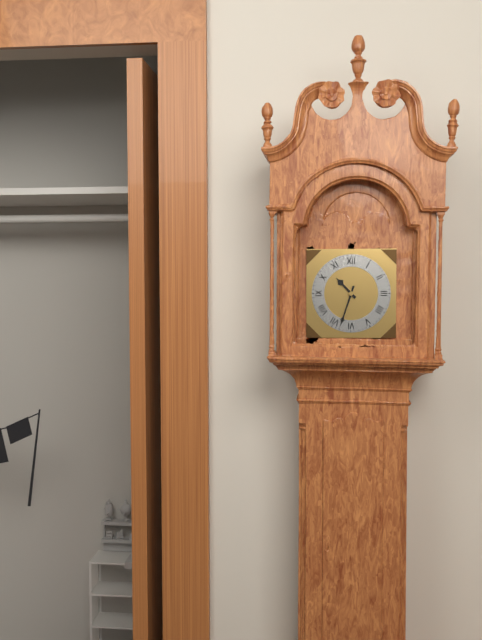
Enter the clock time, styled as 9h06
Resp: 10h33
